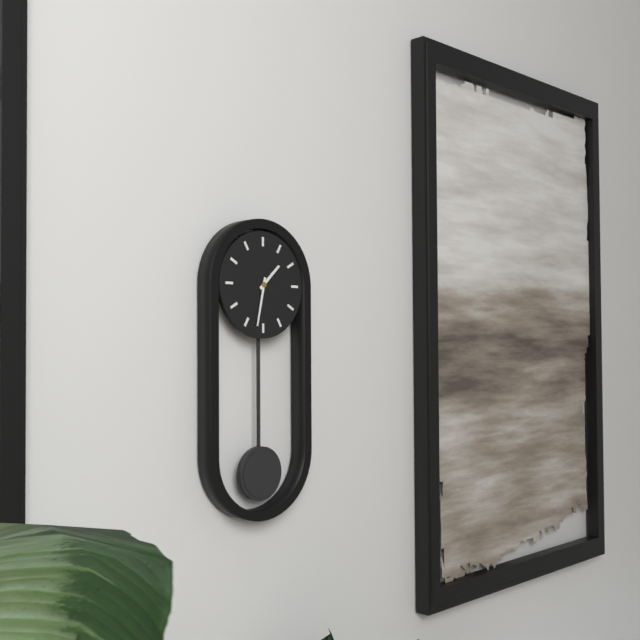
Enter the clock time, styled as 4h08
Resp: 1h32
